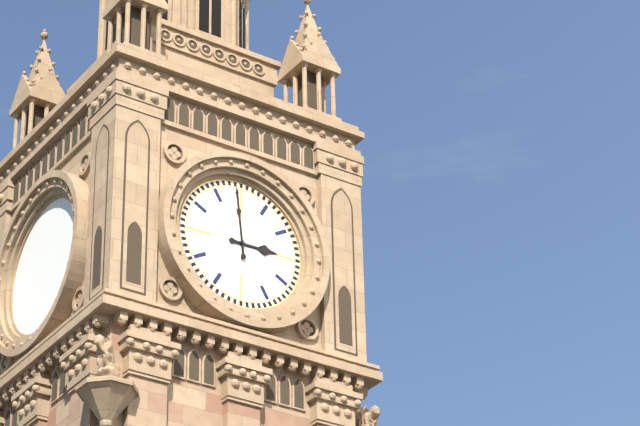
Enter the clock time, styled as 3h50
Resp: 2h59
